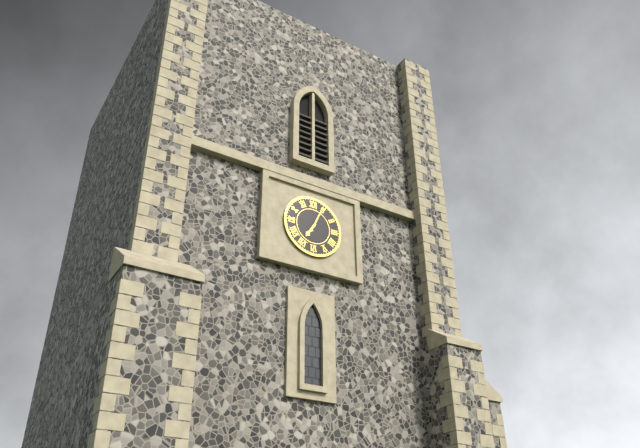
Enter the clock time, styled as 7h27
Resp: 7h04
